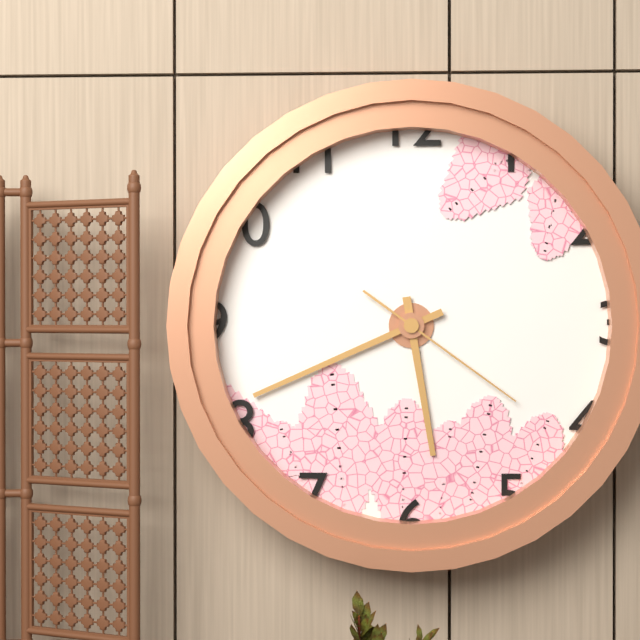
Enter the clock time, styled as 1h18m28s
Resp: 5h41m21s
